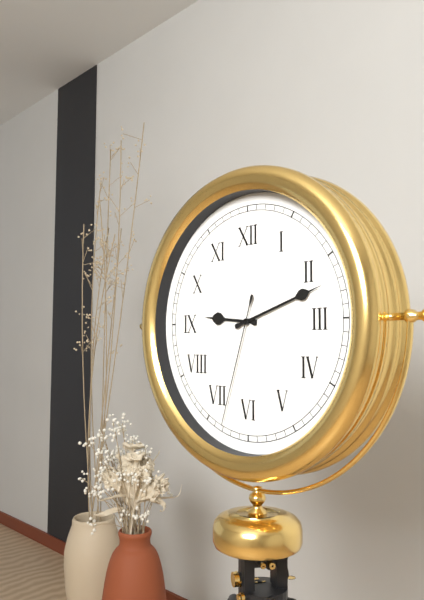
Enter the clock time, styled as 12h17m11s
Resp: 9h12m33s
